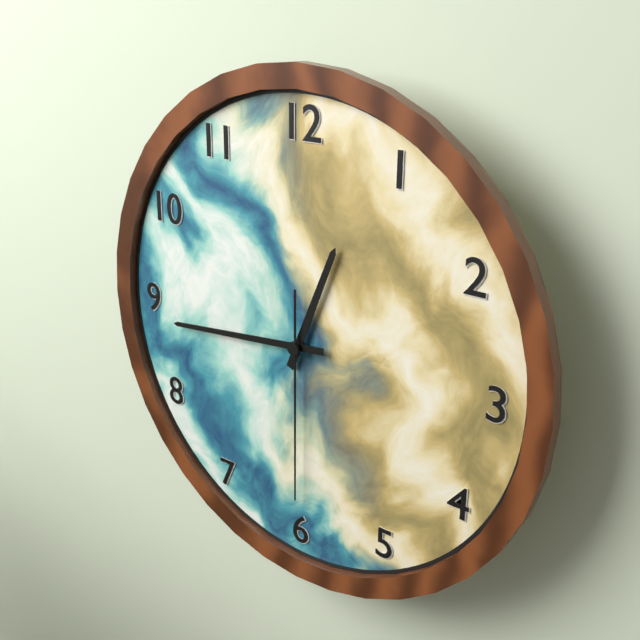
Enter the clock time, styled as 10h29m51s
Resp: 12h44m30s
